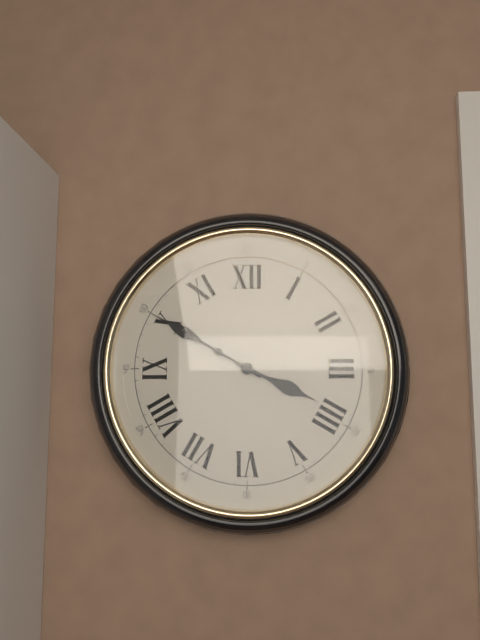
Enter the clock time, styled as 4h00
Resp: 3h50
